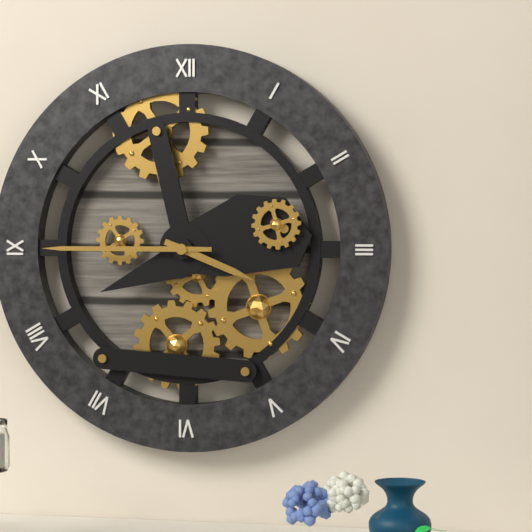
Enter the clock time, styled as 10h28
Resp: 3h45
